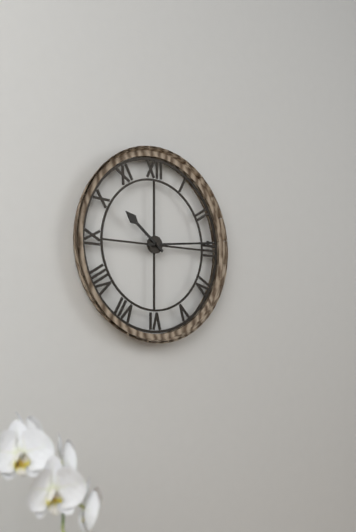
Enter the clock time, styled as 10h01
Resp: 10h14
